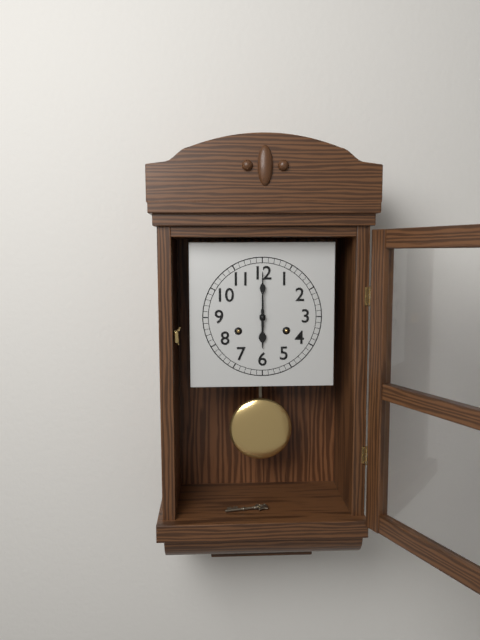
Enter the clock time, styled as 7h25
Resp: 6h00
